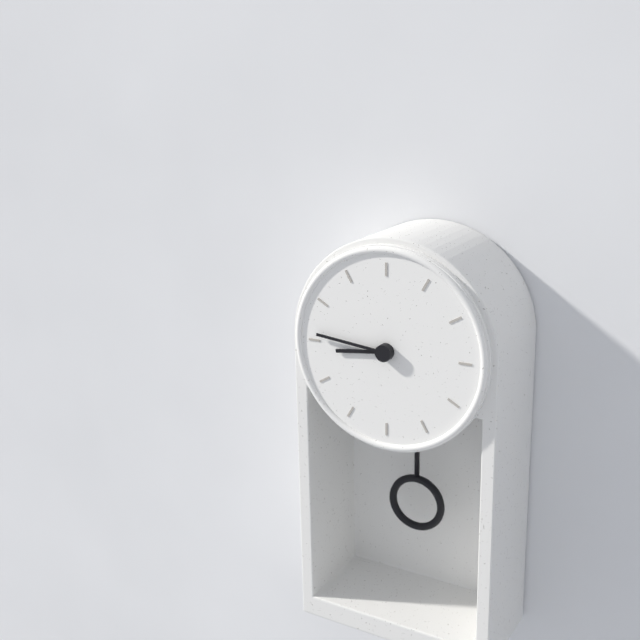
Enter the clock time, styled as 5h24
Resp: 8h46
